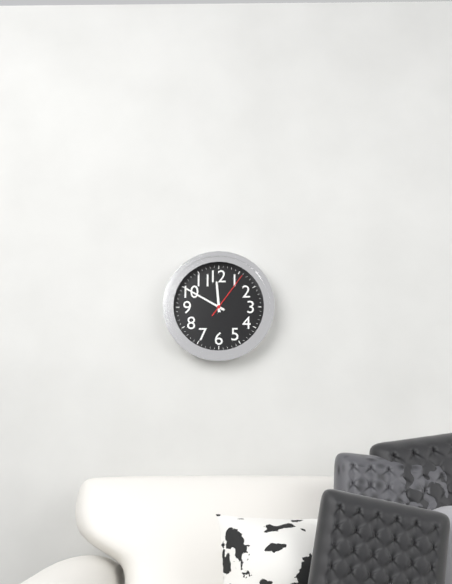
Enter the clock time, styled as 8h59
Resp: 11h50
